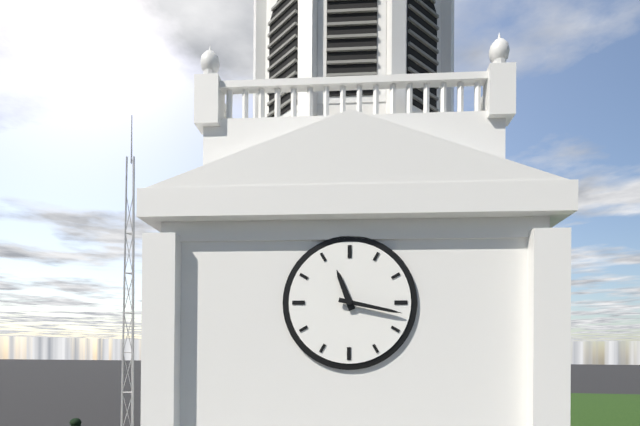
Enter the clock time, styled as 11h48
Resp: 11h17
